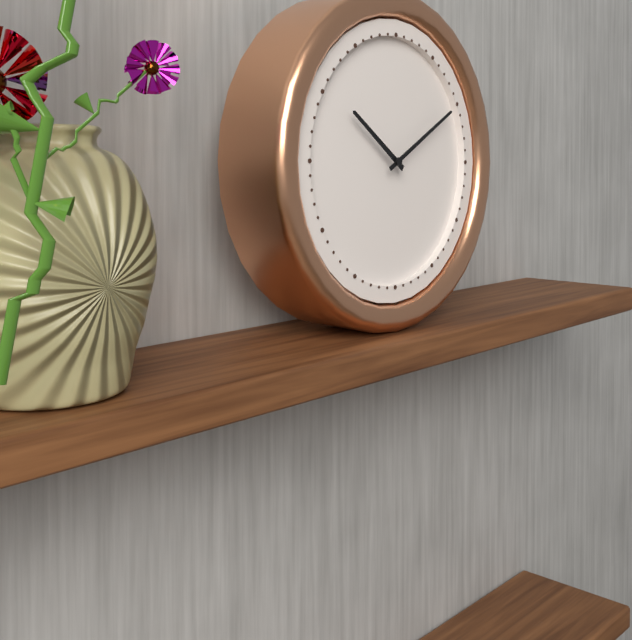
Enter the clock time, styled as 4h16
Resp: 10h10
